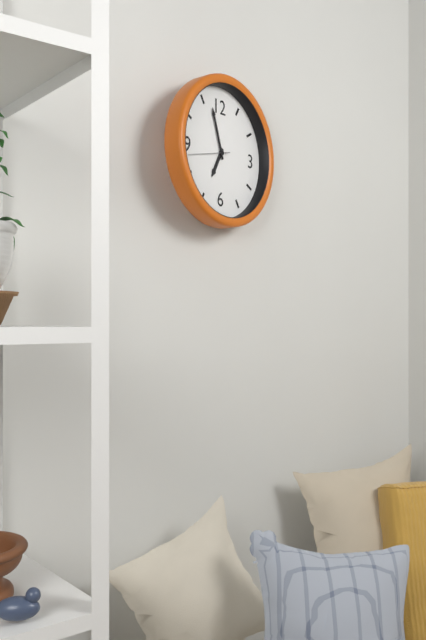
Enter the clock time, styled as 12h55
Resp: 6h57
